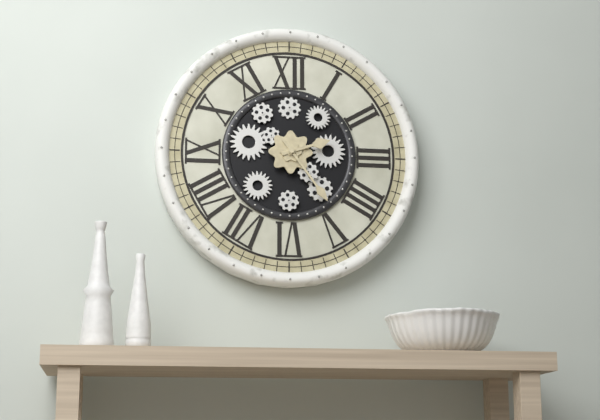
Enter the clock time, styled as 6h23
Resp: 2h24
